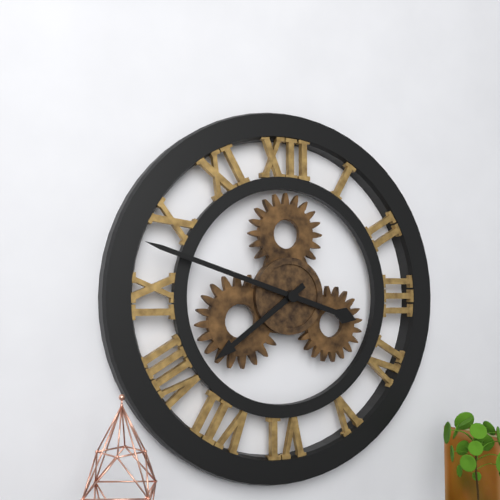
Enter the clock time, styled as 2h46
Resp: 7h48
